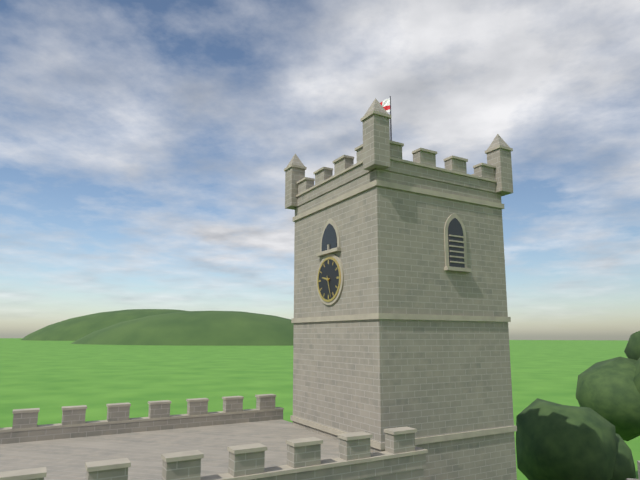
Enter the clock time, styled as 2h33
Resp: 9h27
